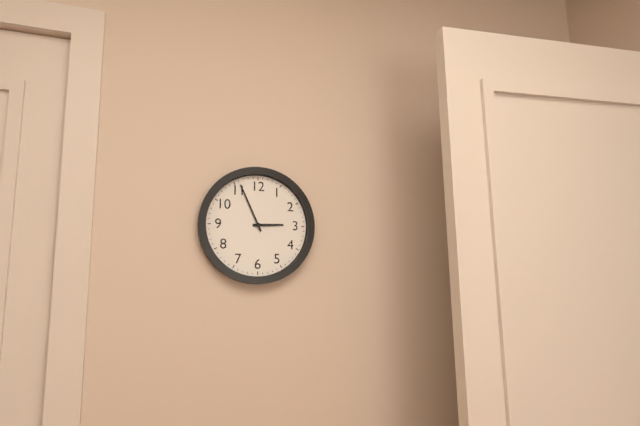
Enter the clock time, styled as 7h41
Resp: 2h56
